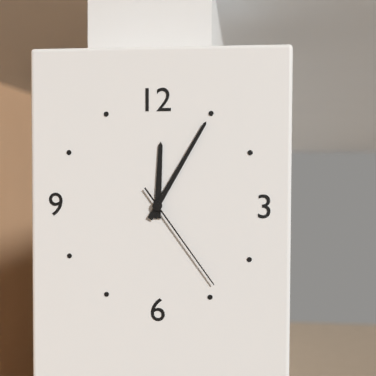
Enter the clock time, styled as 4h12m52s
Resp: 12h05m24s
